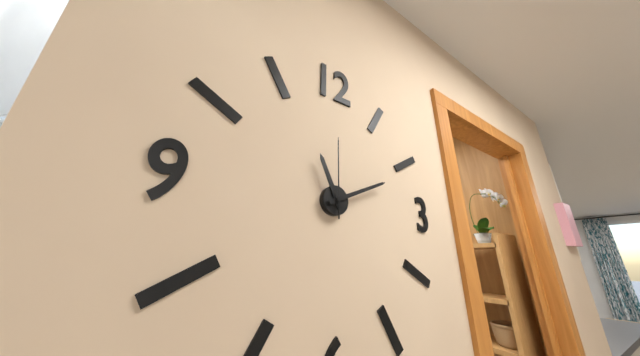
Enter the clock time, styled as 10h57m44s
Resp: 11h11m00s
